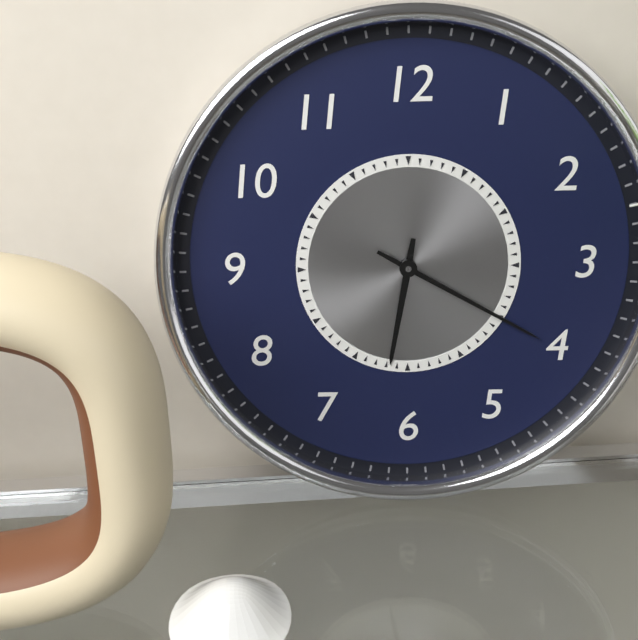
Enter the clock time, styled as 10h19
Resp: 6h20
